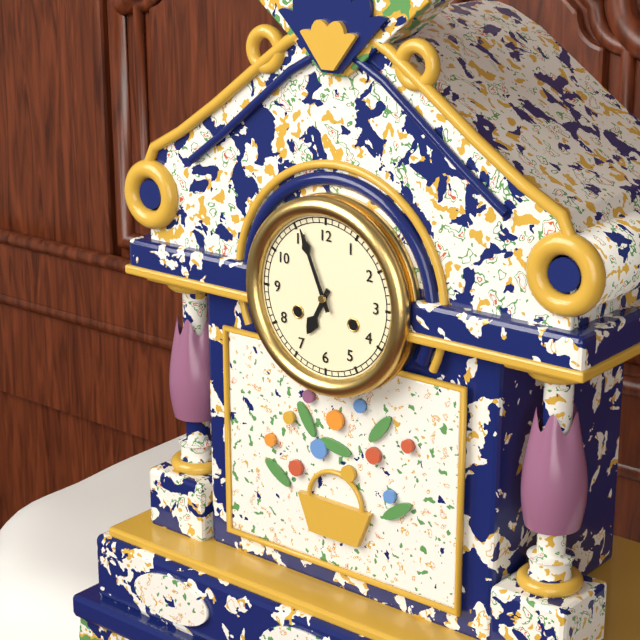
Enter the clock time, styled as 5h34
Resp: 6h56
